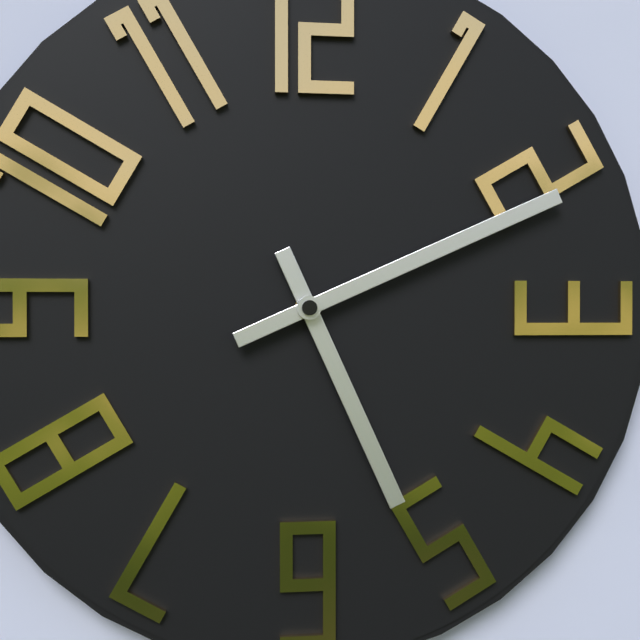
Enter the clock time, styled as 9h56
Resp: 5h11
